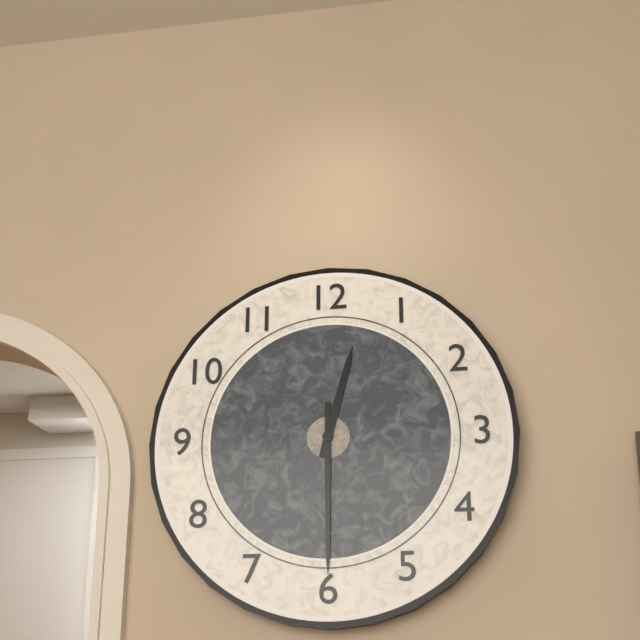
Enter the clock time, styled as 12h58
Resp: 12h30
